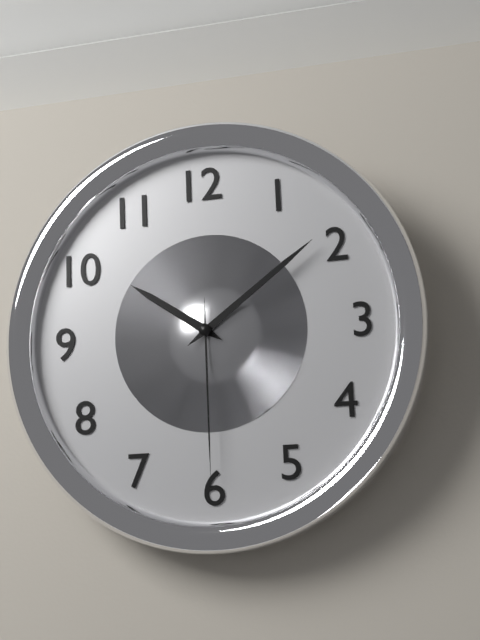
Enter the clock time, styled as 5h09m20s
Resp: 10h09m30s
